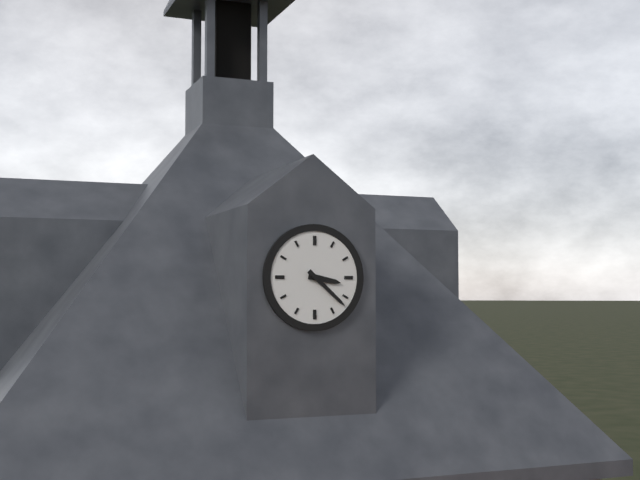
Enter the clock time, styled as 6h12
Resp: 3h22
